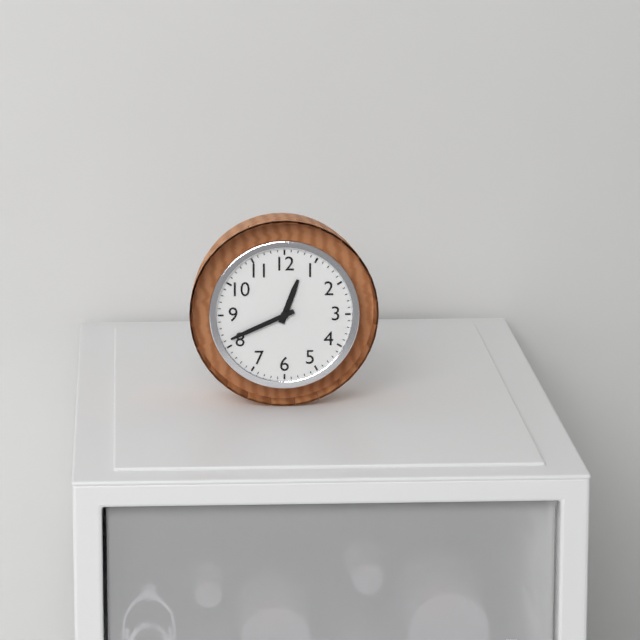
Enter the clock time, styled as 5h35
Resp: 12h41
